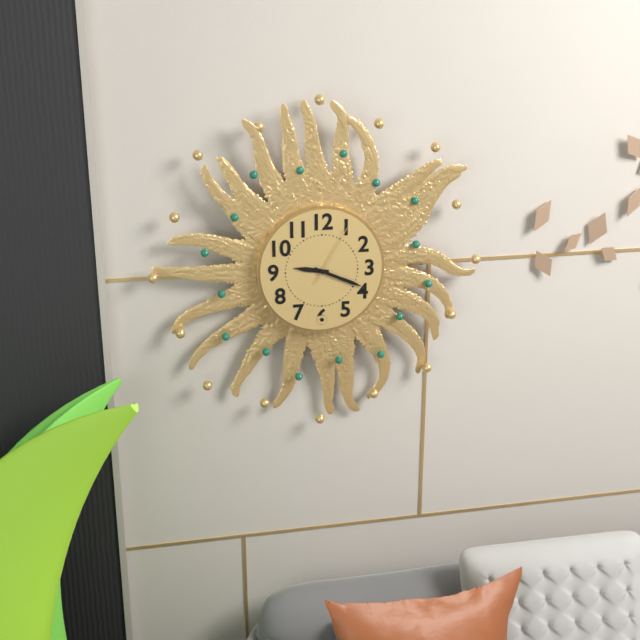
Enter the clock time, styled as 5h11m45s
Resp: 9h19m05s
